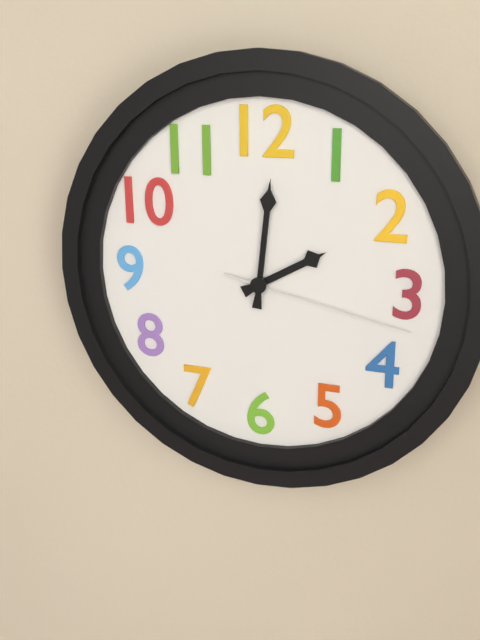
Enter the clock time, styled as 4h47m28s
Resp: 2h01m17s
